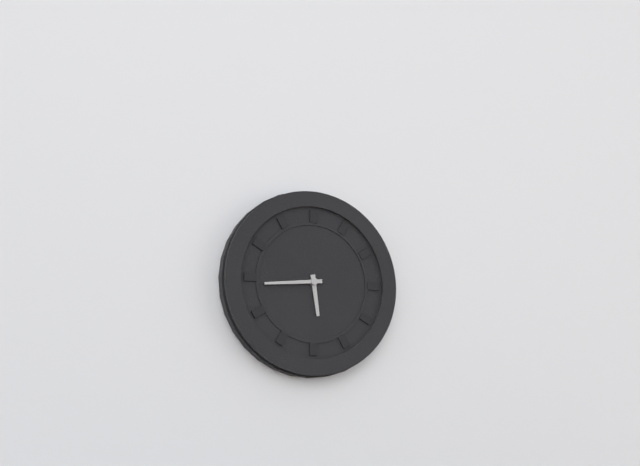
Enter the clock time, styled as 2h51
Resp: 5h44
